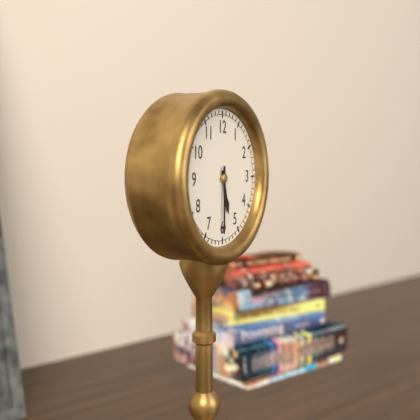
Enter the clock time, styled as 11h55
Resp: 5h30
